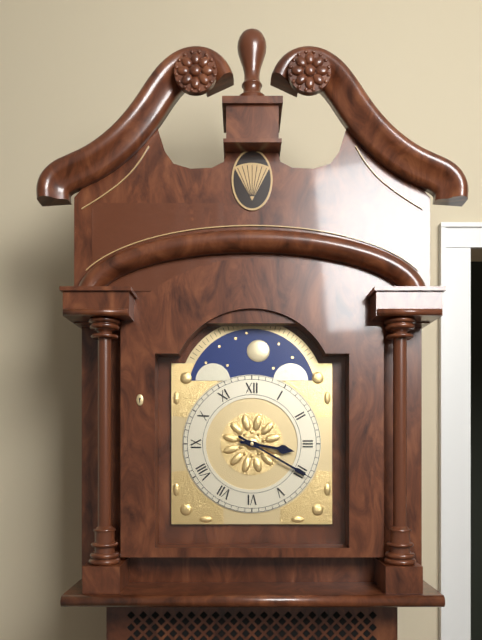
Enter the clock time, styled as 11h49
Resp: 3h20
